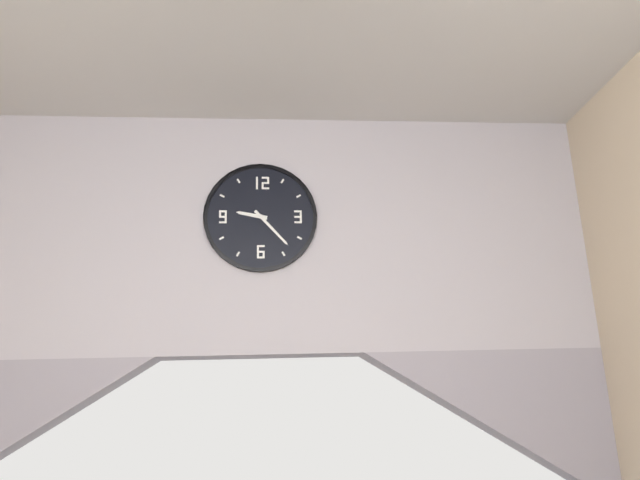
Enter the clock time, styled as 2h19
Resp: 9h23
